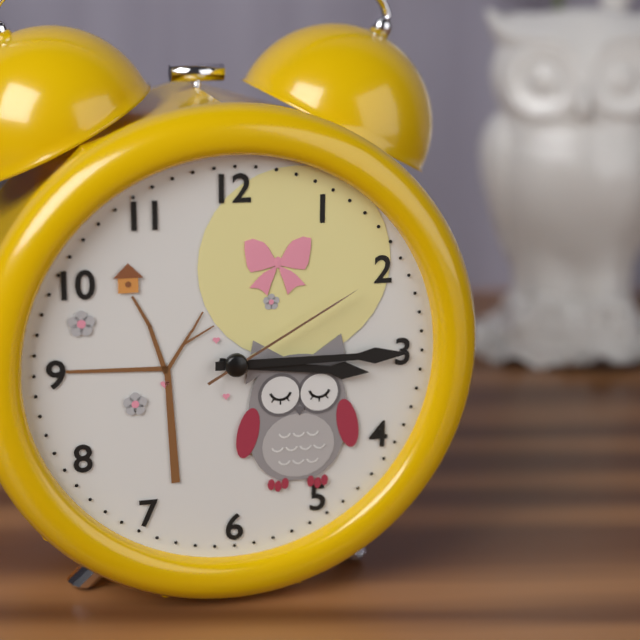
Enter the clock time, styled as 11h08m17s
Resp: 3h15m10s
